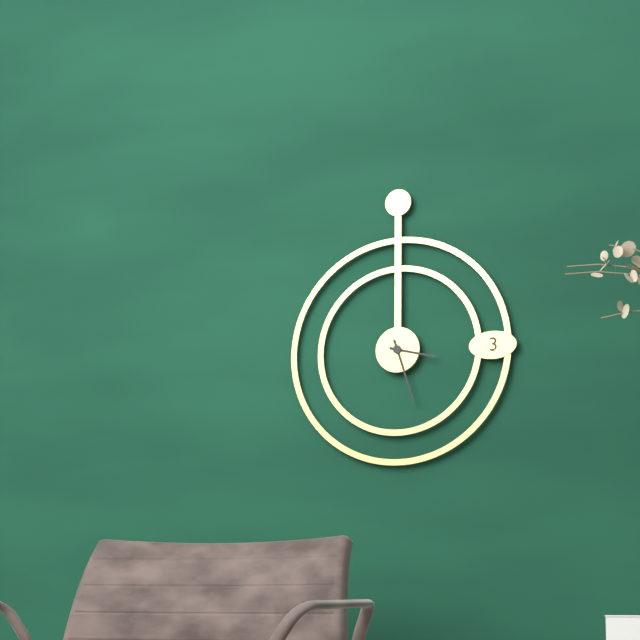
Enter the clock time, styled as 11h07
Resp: 3h27
